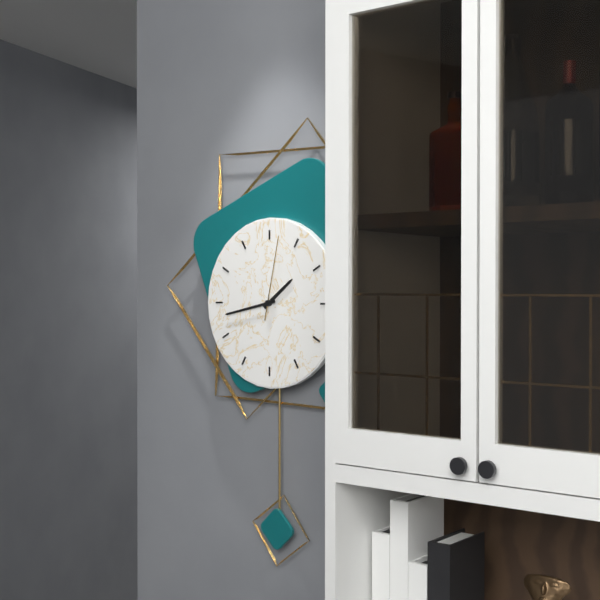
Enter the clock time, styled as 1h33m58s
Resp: 1h43m02s
